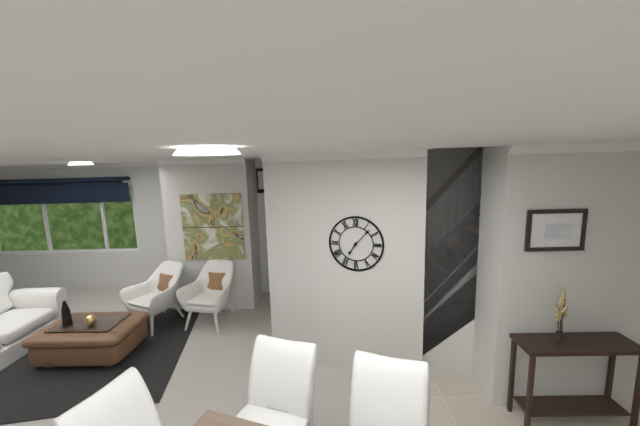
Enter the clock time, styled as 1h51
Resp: 7h07
